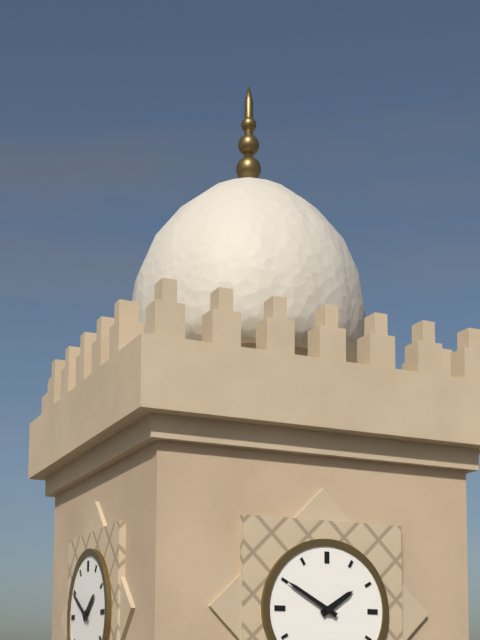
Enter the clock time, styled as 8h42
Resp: 1h50
